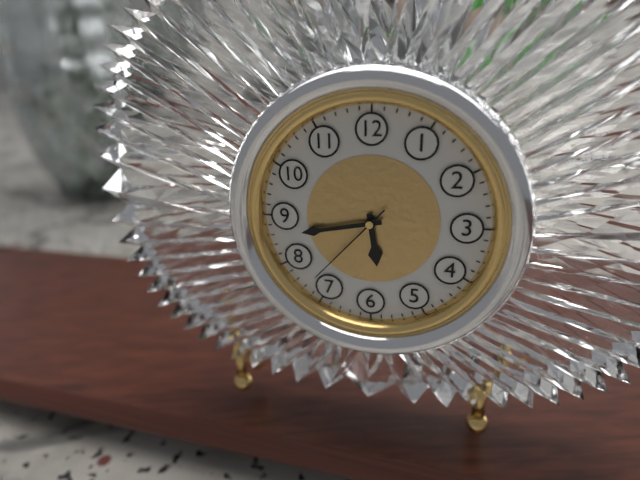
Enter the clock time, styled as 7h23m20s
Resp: 5h43m37s
